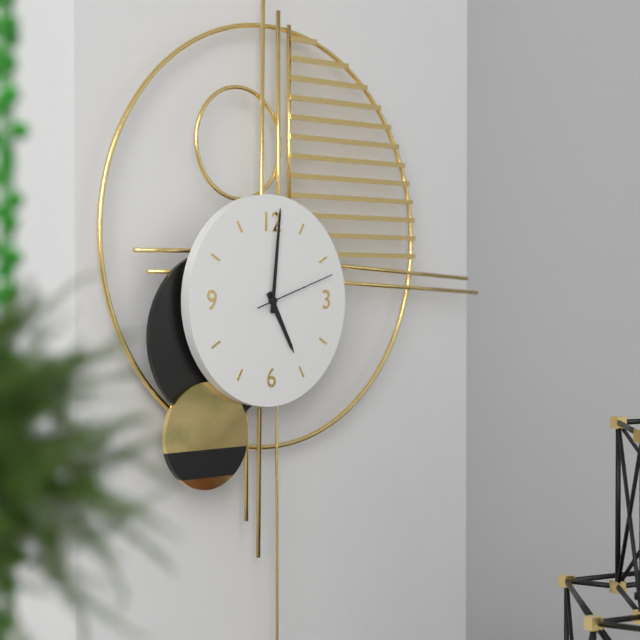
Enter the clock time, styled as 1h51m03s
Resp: 5h01m12s
